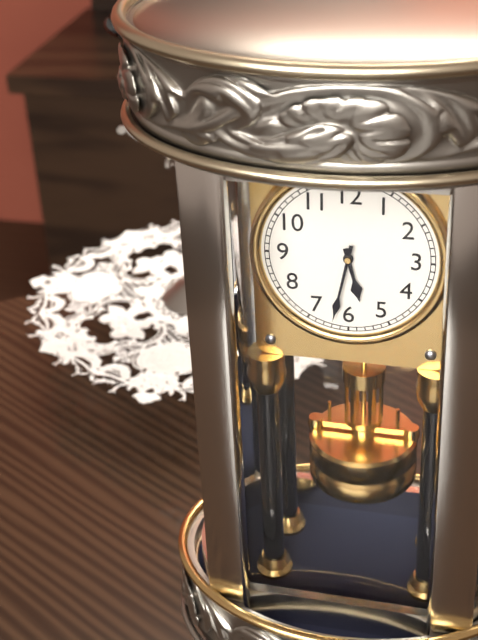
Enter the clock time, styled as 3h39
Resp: 5h32
